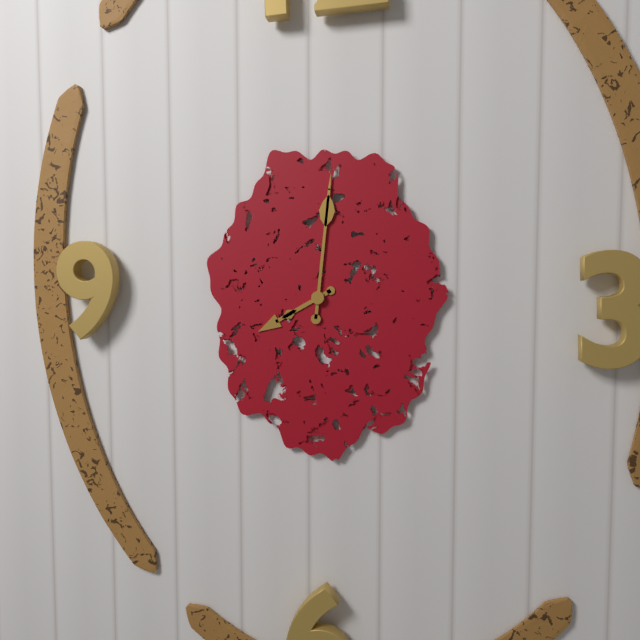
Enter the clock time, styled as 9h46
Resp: 8h01
